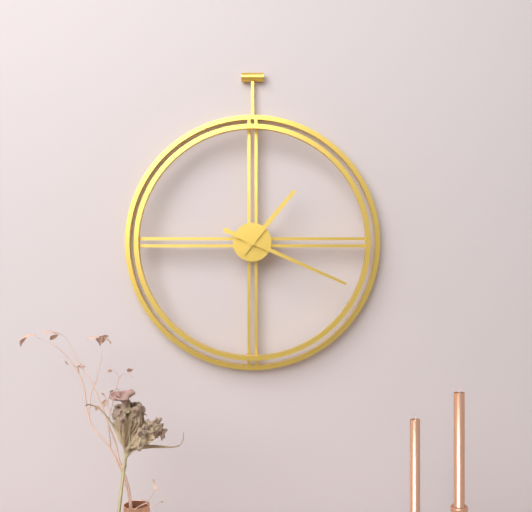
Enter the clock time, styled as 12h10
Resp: 1h19
